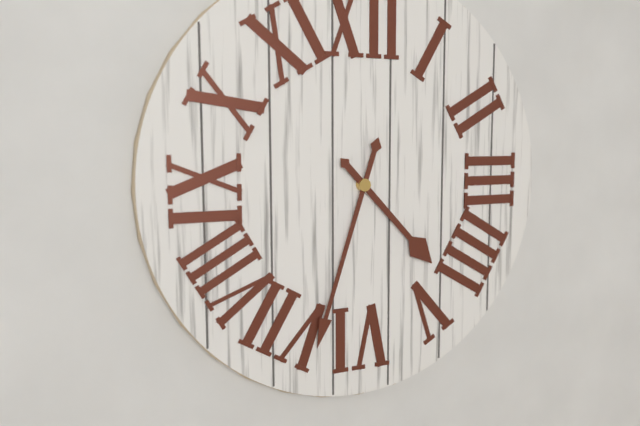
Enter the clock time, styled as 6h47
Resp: 4h33
